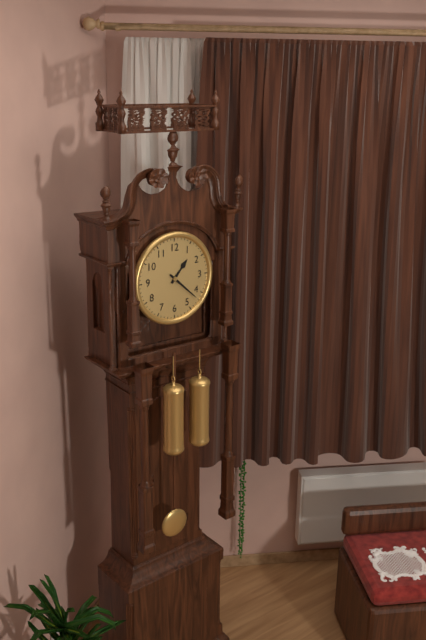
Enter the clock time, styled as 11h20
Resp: 1h22
